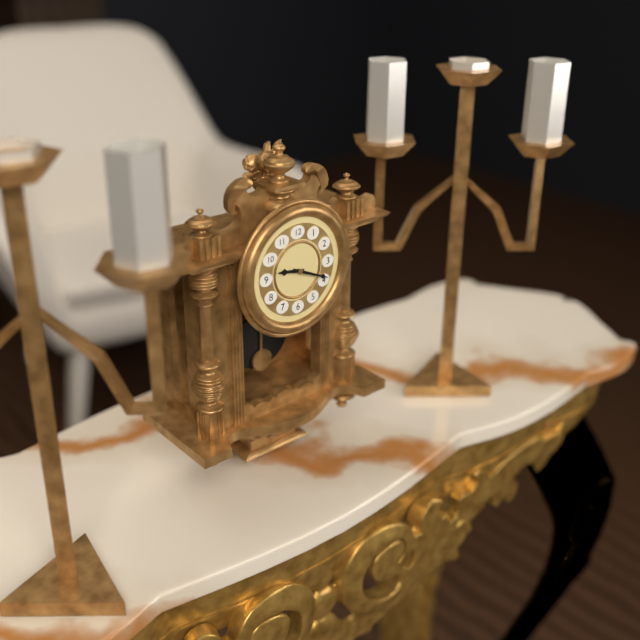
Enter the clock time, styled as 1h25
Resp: 9h19
